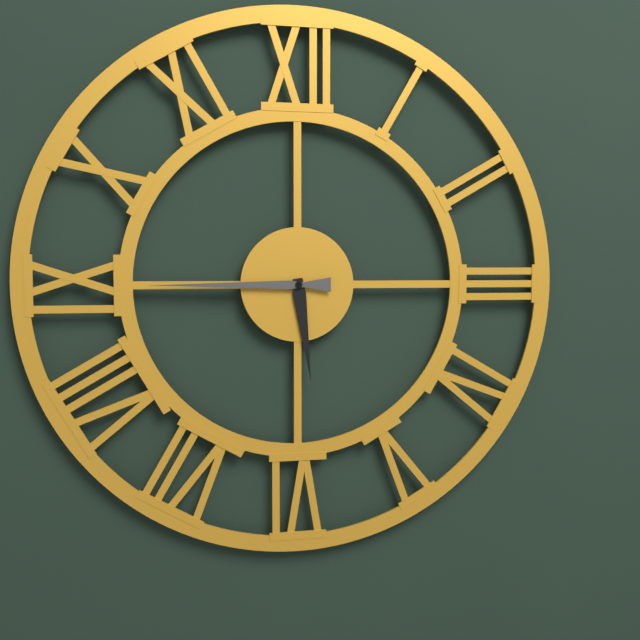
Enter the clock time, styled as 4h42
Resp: 5h45
